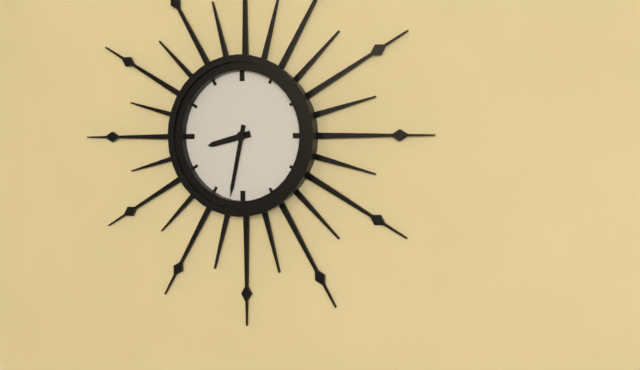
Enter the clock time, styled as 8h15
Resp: 8h32
